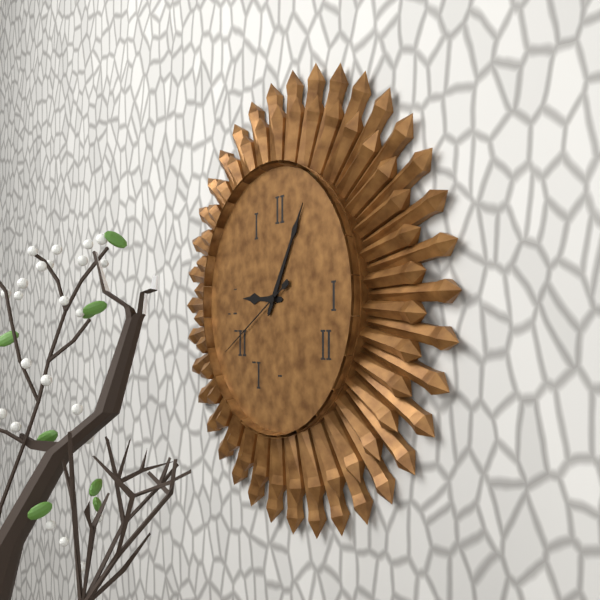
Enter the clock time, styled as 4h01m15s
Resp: 9h05m40s
